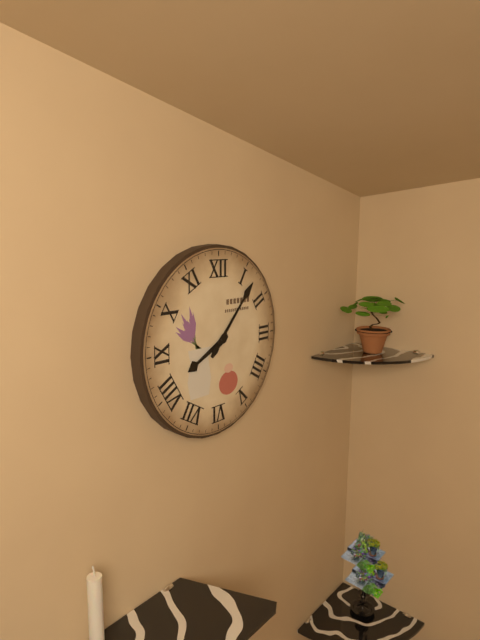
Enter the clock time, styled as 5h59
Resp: 8h07
